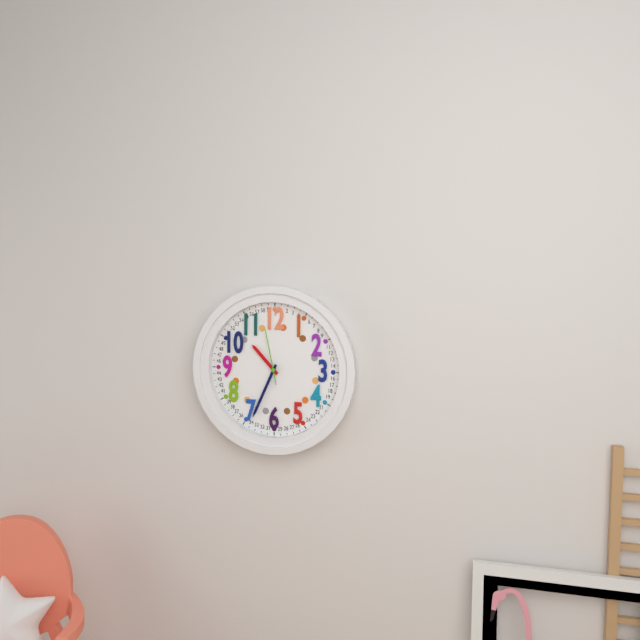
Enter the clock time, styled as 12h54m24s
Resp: 10h34m58s
